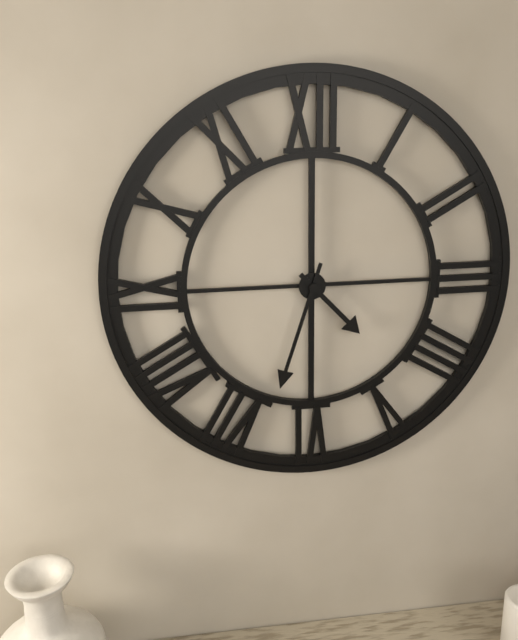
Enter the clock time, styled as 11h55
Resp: 4h33
